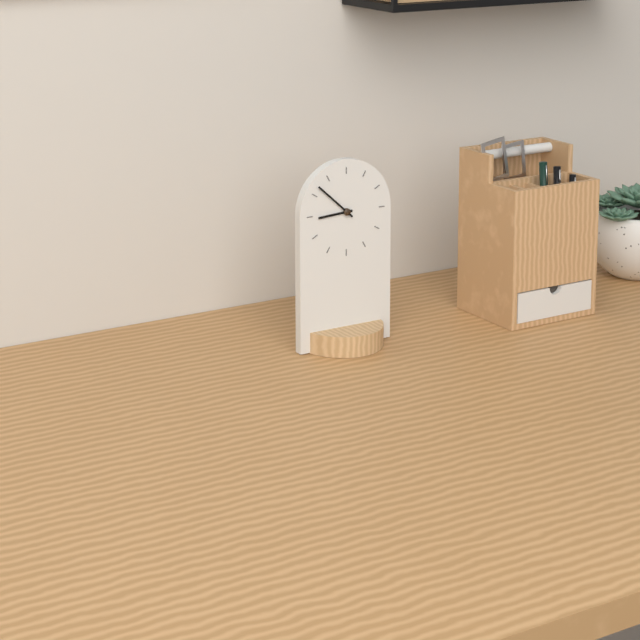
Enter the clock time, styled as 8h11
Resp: 8h52
